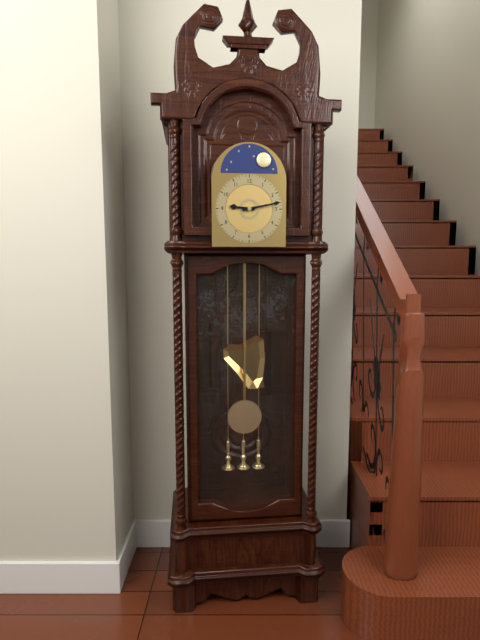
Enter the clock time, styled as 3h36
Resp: 9h13
